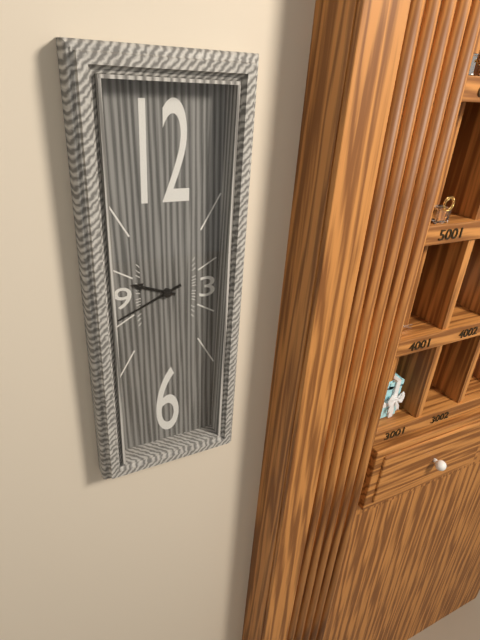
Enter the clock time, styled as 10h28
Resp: 9h41
